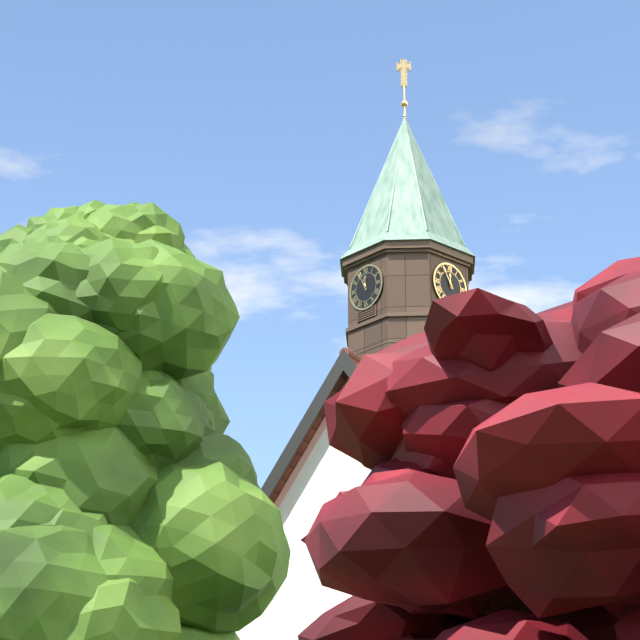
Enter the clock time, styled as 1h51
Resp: 11h55
